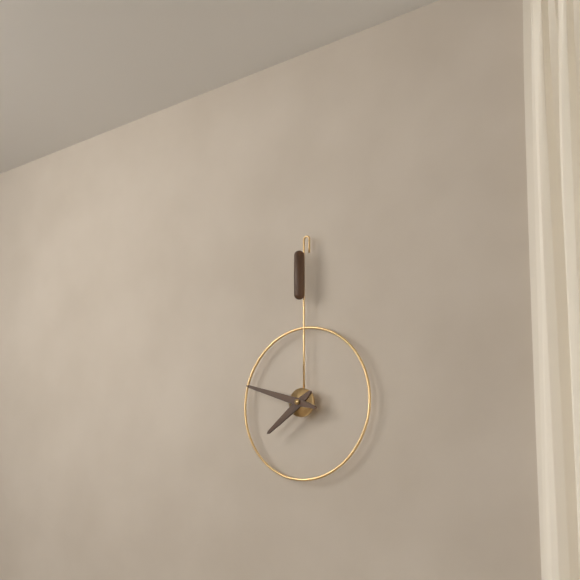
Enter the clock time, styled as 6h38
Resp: 7h48
